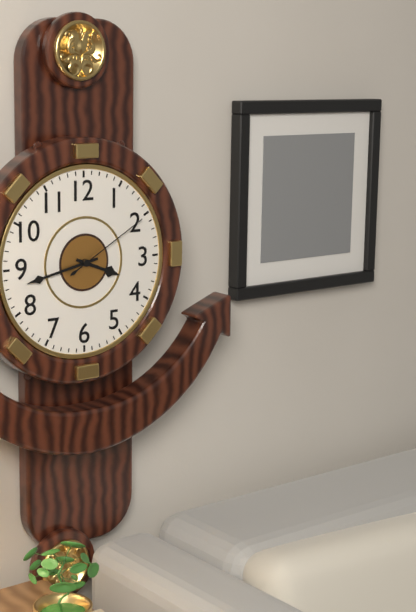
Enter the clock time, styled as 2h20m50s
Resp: 3h43m10s
